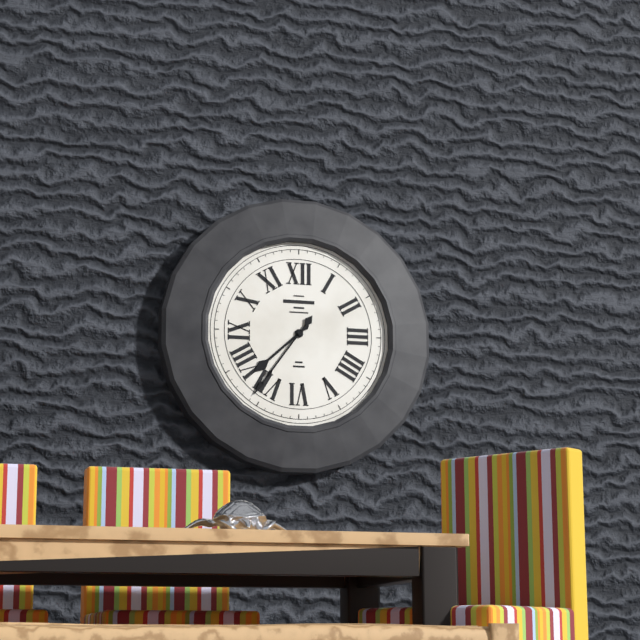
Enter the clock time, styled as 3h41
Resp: 7h36
